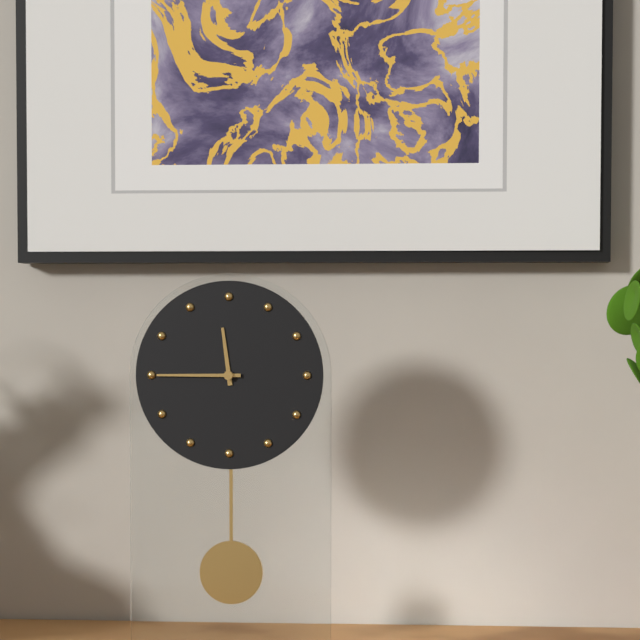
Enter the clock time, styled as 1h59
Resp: 11h45
